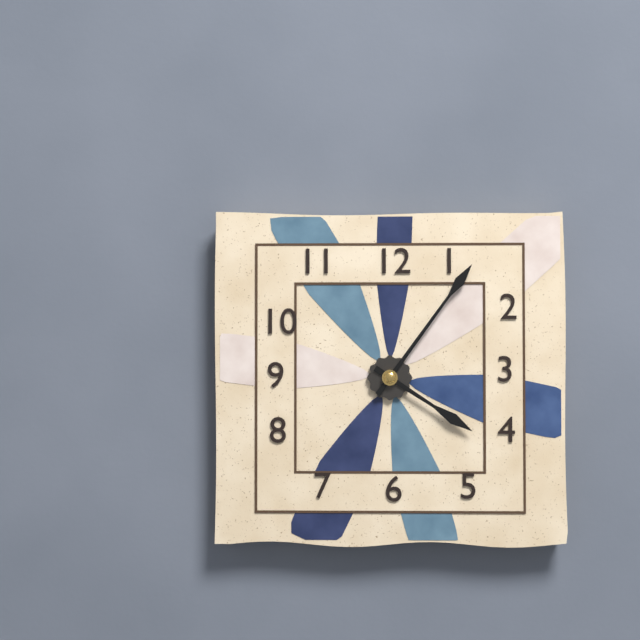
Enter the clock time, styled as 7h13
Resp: 4h06
